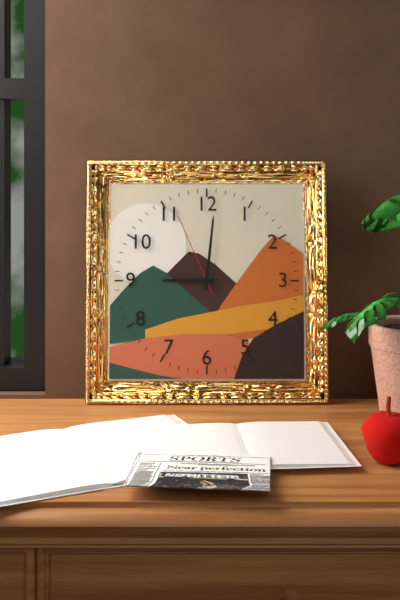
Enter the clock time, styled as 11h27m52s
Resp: 9h01m56s
